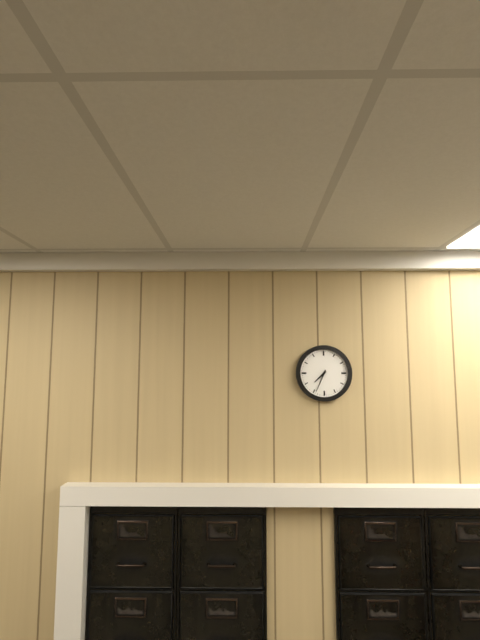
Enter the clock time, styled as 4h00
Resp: 7h34
